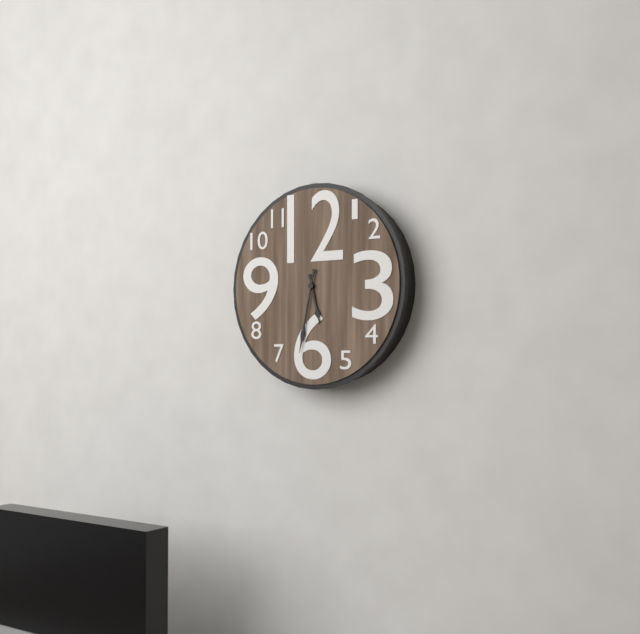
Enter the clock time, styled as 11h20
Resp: 5h32
